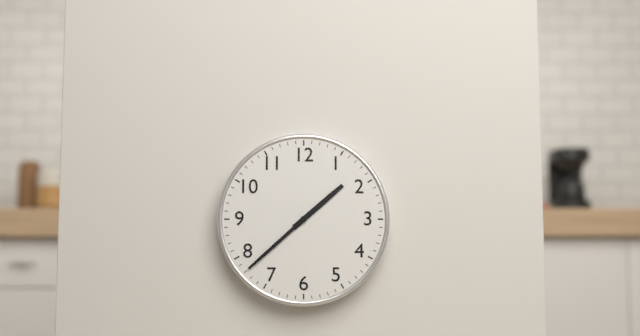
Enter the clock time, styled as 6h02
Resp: 1h38
